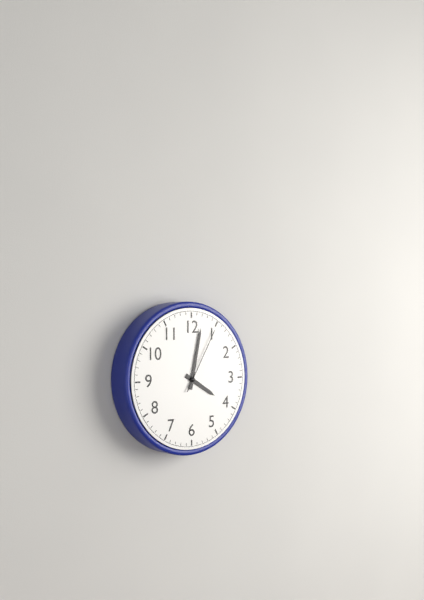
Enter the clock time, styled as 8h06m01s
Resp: 4h02m05s
